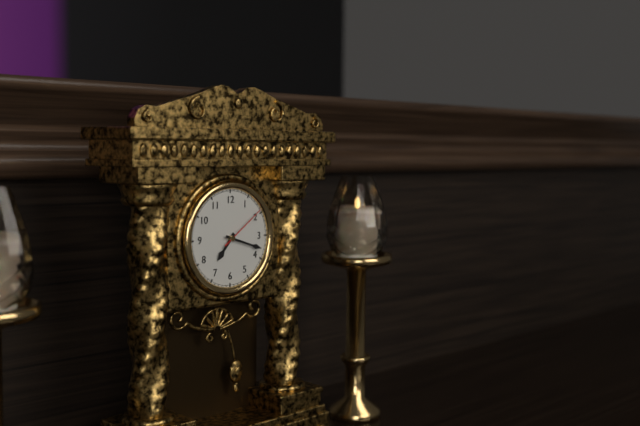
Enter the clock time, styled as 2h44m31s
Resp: 7h18m09s
